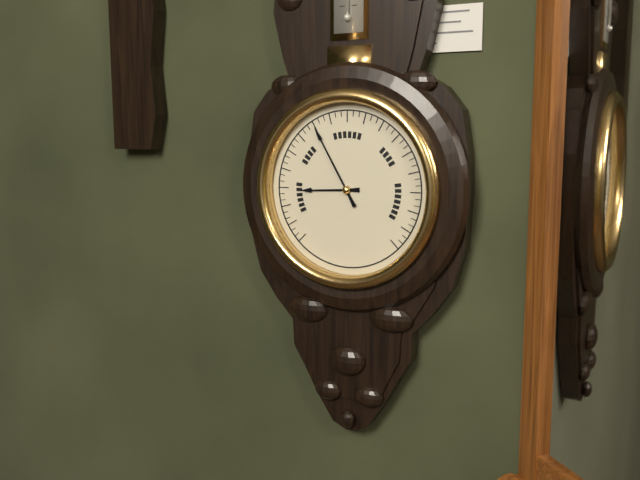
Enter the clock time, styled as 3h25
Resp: 8h55
